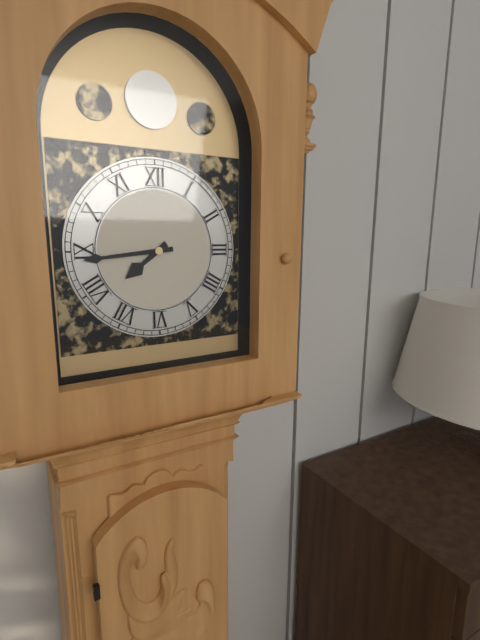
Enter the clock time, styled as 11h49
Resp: 7h44
